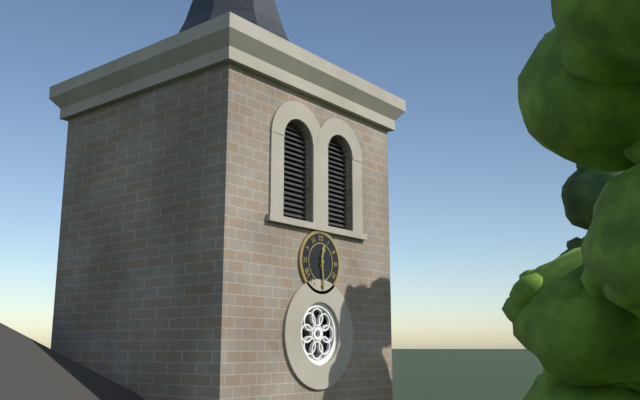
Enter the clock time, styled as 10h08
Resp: 12h29
